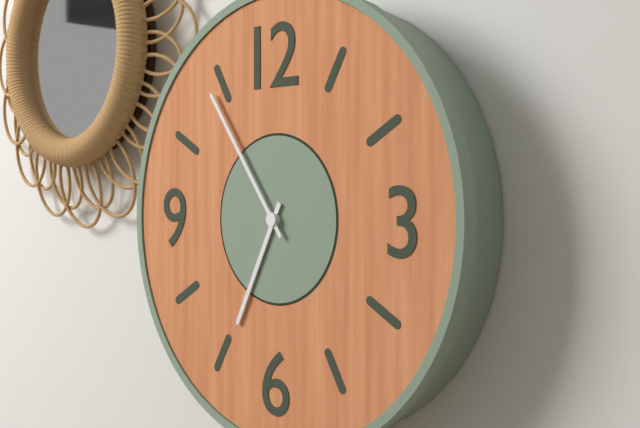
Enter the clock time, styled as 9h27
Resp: 6h54
